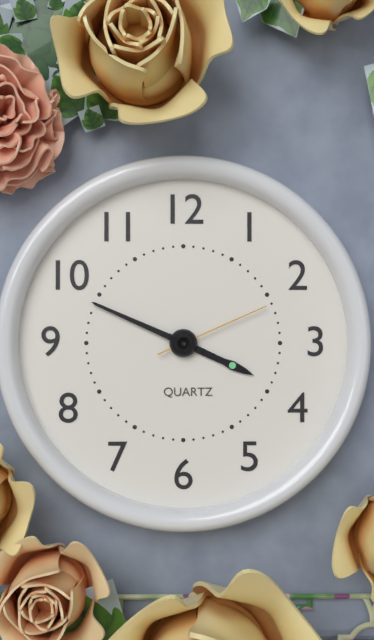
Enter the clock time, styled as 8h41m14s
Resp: 3h49m11s
